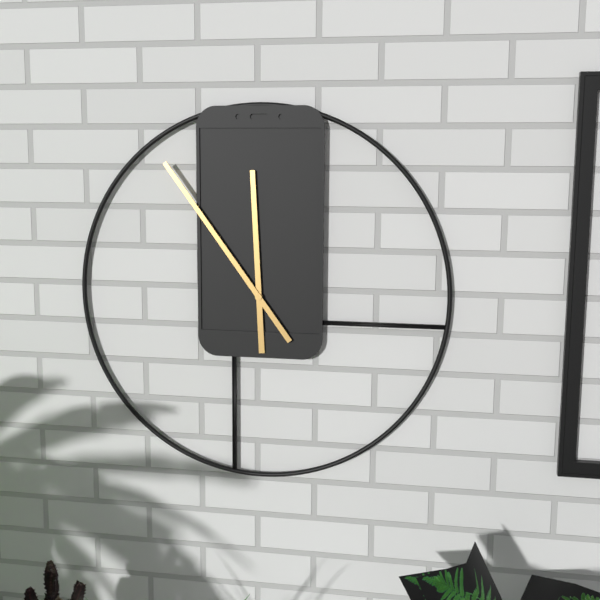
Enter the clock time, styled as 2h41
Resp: 11h54
